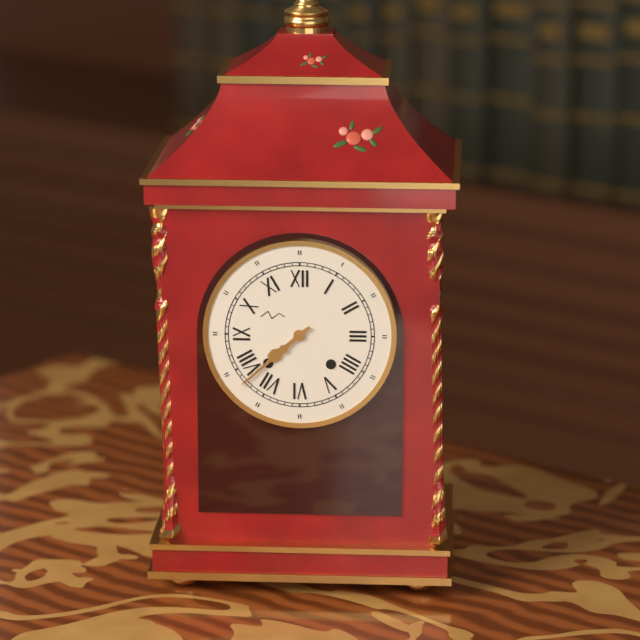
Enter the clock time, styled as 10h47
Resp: 7h38
